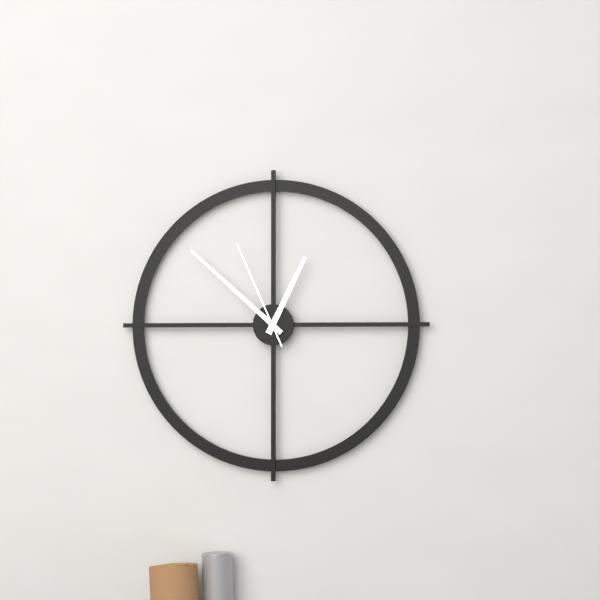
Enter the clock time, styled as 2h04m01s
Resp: 12h52m56s
